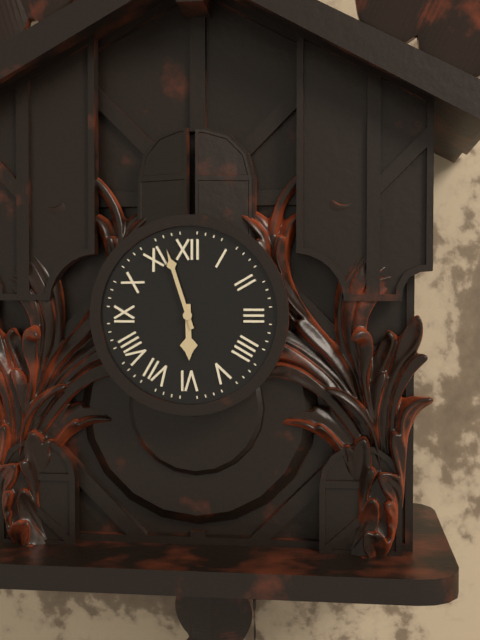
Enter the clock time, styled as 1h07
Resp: 5h57
